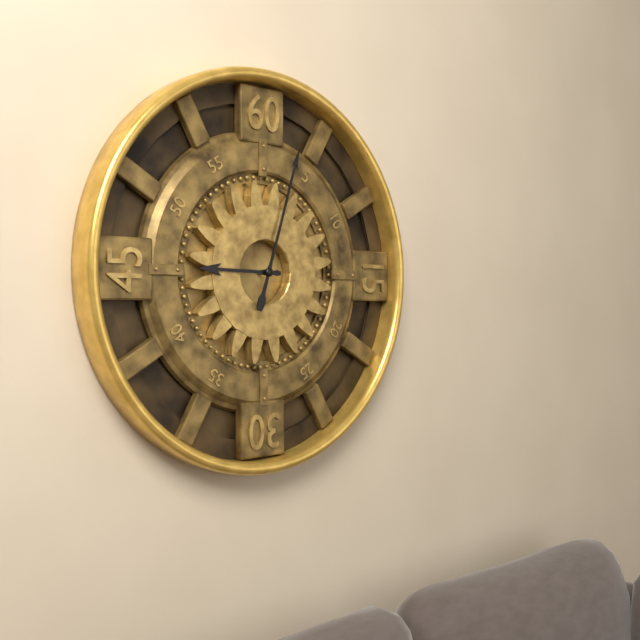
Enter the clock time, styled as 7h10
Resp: 9h03
